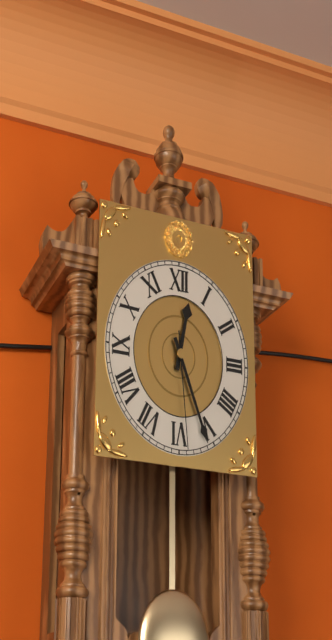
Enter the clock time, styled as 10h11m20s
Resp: 12h26m29s
